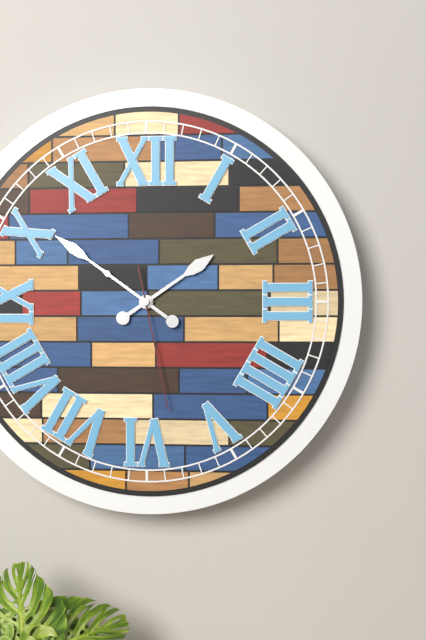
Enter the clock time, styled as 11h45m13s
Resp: 1h51m28s
